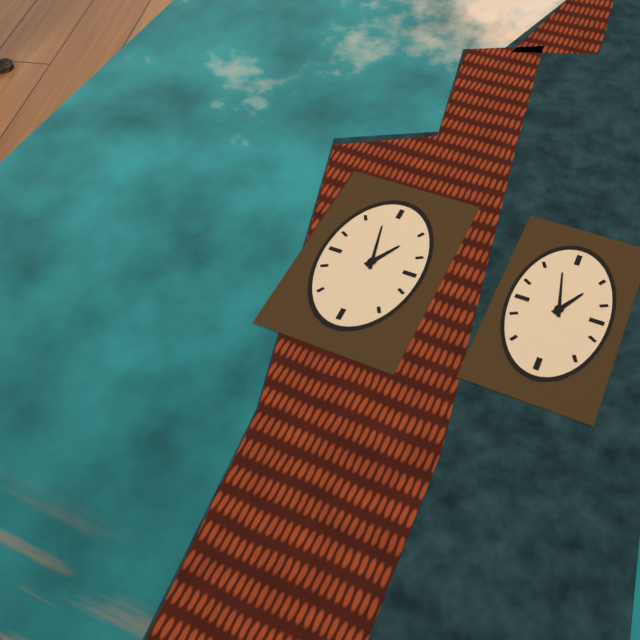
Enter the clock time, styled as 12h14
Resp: 12h58
